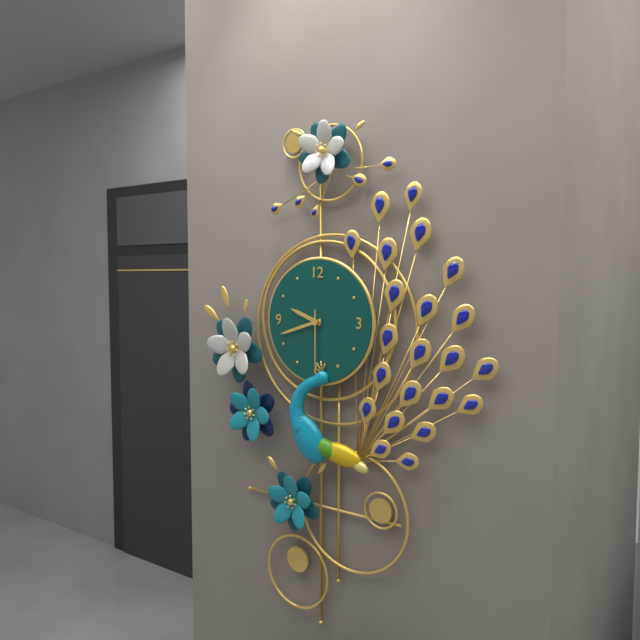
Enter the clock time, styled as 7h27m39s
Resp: 9h42m30s
